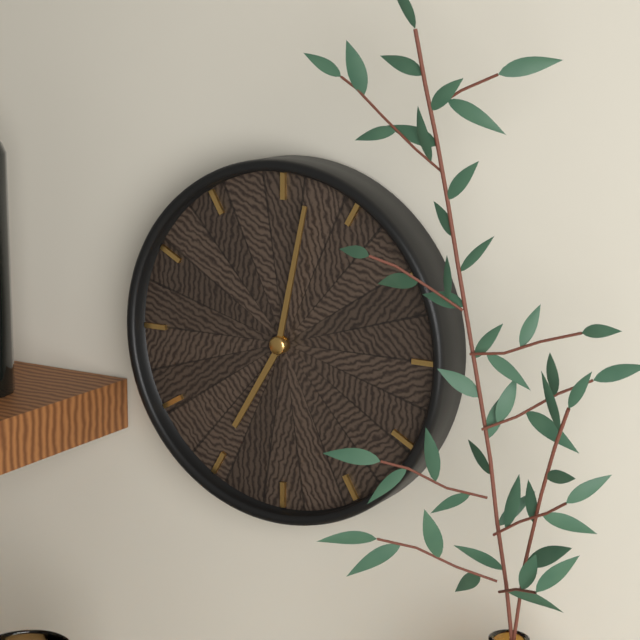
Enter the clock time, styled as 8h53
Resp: 7h02
